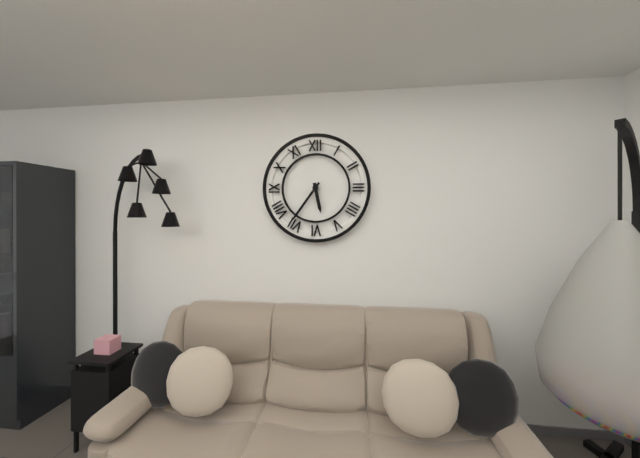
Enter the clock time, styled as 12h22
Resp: 5h36
